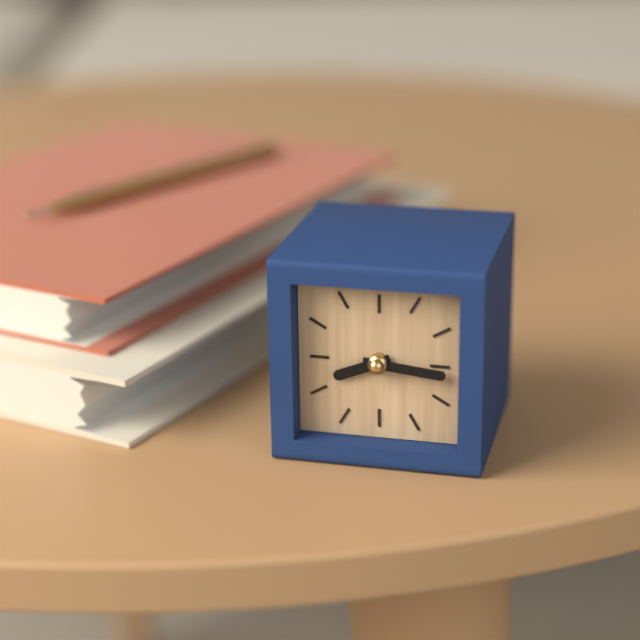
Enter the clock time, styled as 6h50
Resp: 8h16
